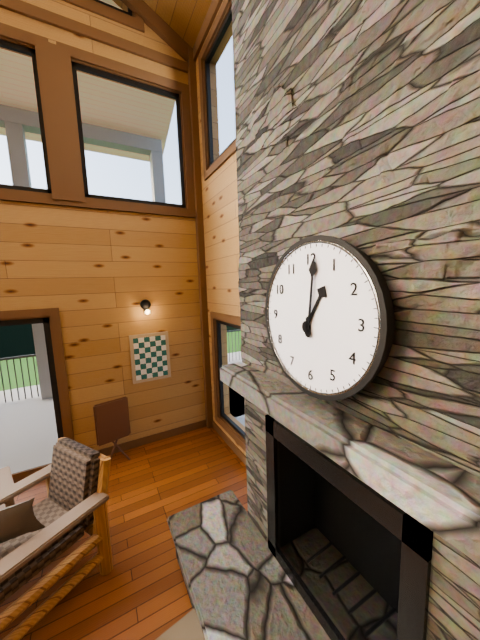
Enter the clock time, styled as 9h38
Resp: 1h01
